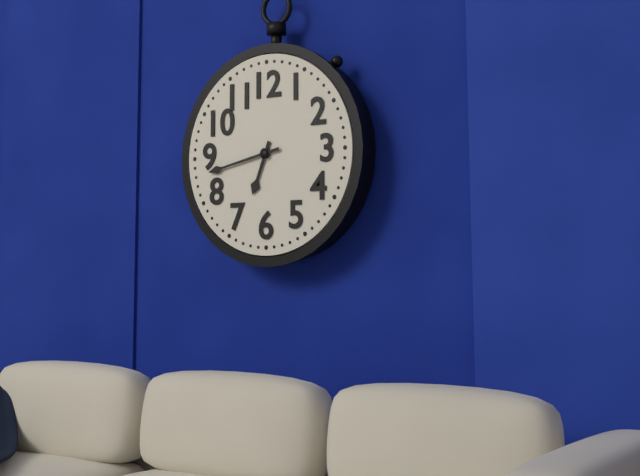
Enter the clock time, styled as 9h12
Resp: 6h43
